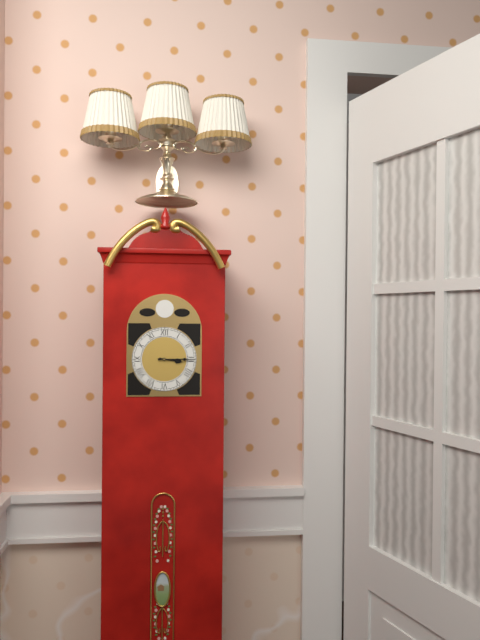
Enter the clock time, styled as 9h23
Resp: 3h15
